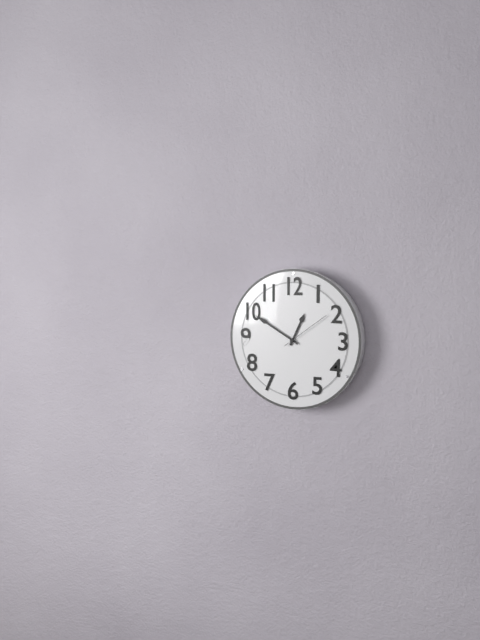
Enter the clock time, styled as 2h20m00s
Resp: 12h50m09s
